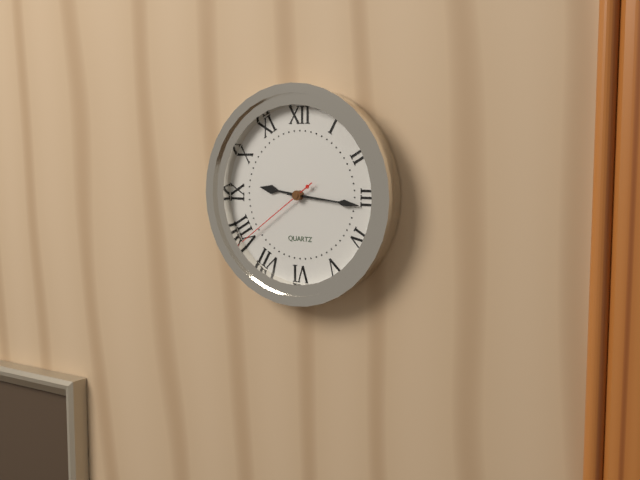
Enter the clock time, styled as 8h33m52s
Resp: 9h16m39s
